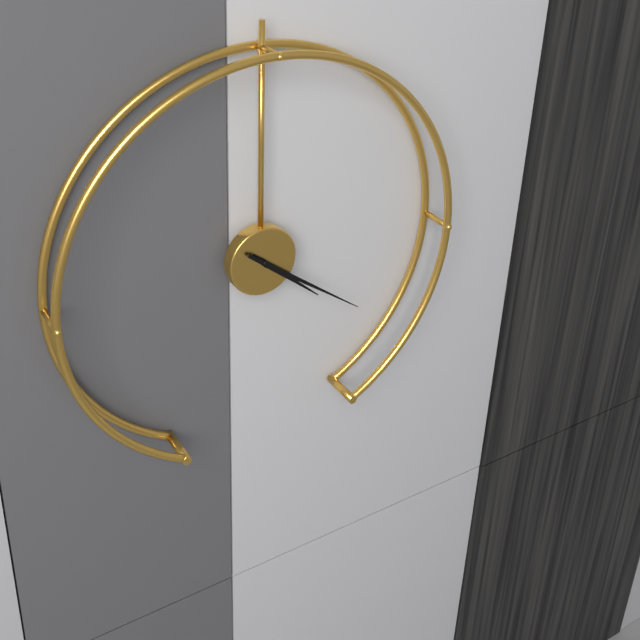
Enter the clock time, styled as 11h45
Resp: 4h21
